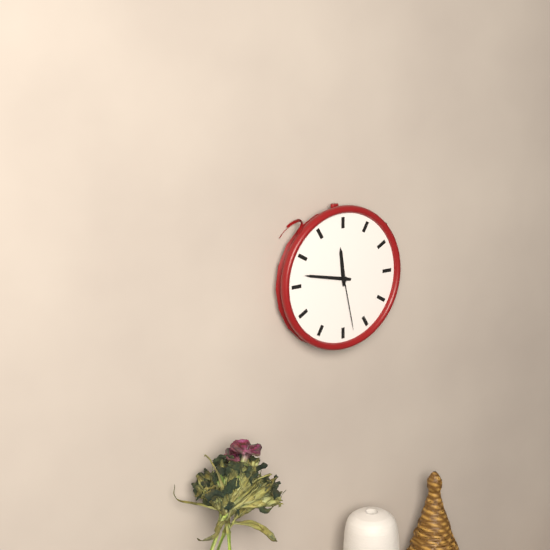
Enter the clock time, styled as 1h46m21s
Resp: 11h47m28s
